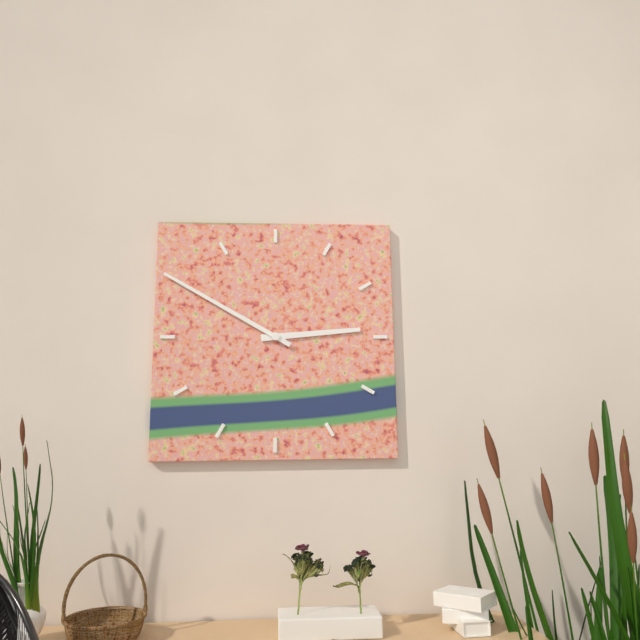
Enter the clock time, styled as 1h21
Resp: 2h50
